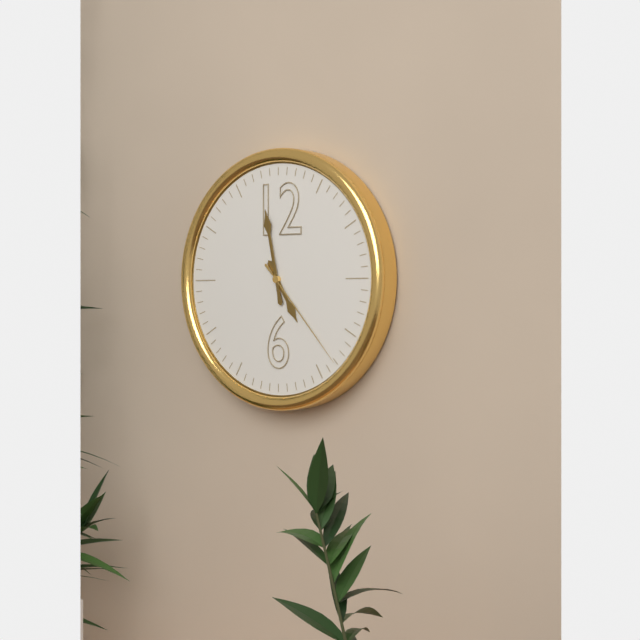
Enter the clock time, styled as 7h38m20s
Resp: 4h58m23s
